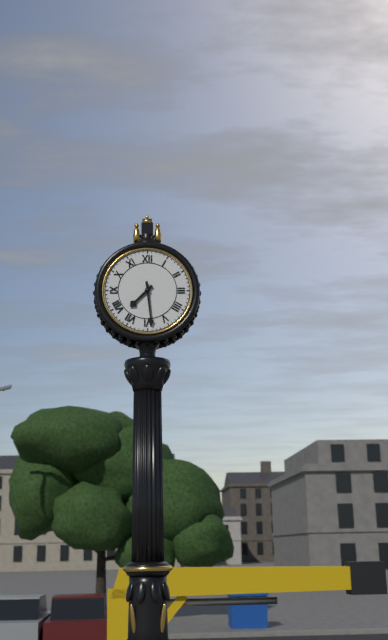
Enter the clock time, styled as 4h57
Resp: 7h29
